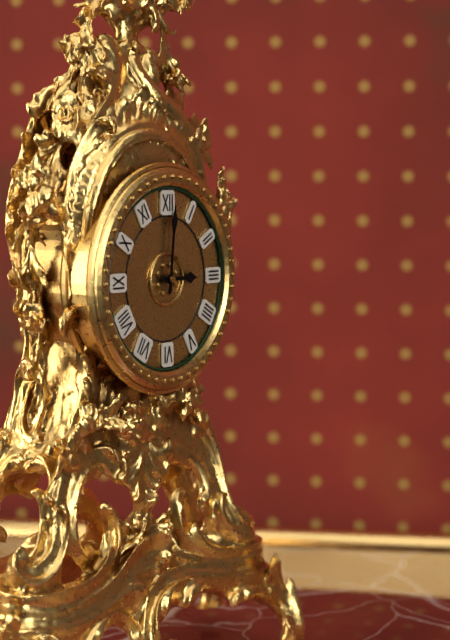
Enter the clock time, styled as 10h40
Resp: 3h01
